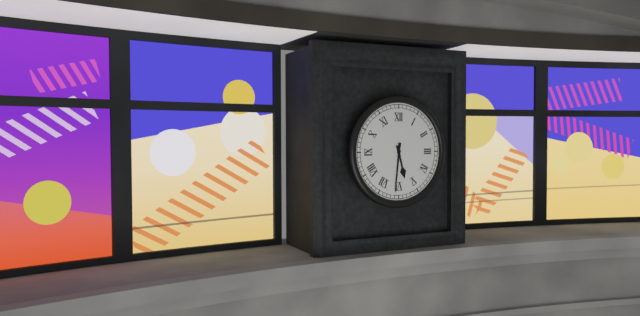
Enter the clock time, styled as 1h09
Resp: 5h31
